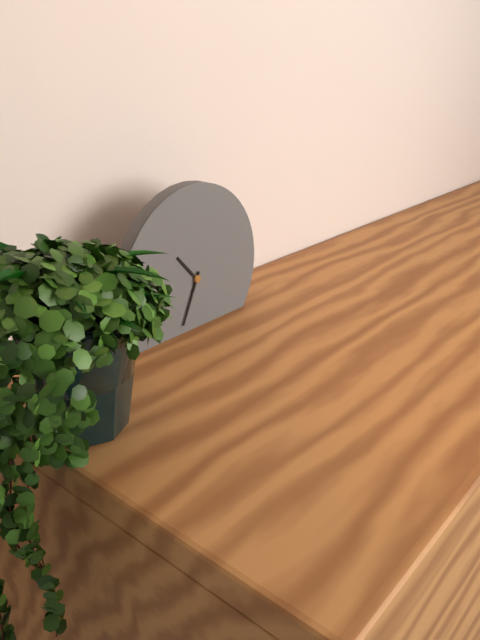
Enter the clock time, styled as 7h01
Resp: 10h34
